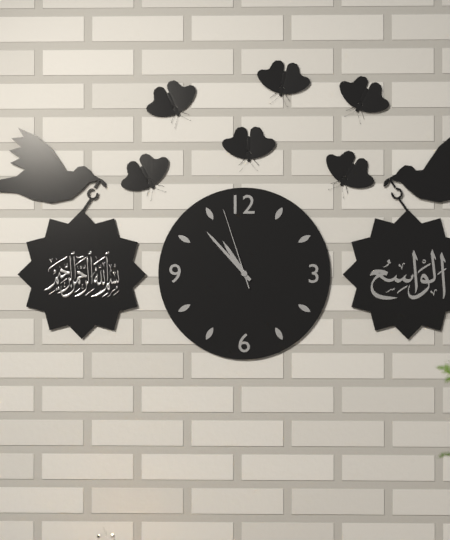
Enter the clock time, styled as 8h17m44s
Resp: 10h53m57s
